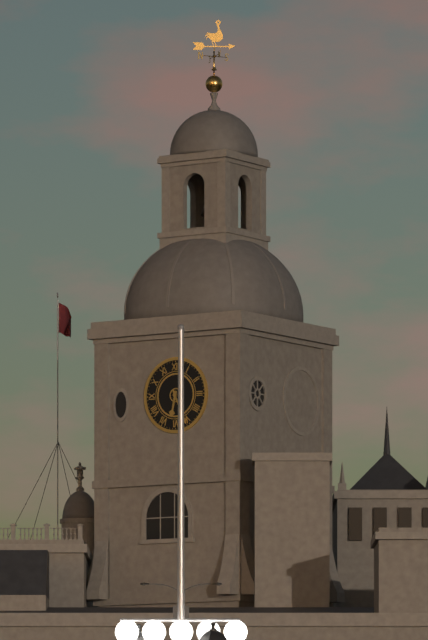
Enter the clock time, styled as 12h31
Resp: 6h26
